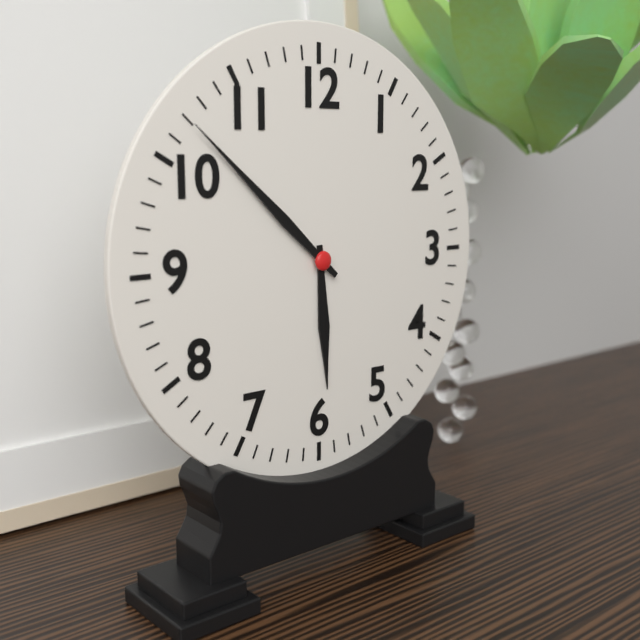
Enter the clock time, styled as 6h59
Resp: 5h52
